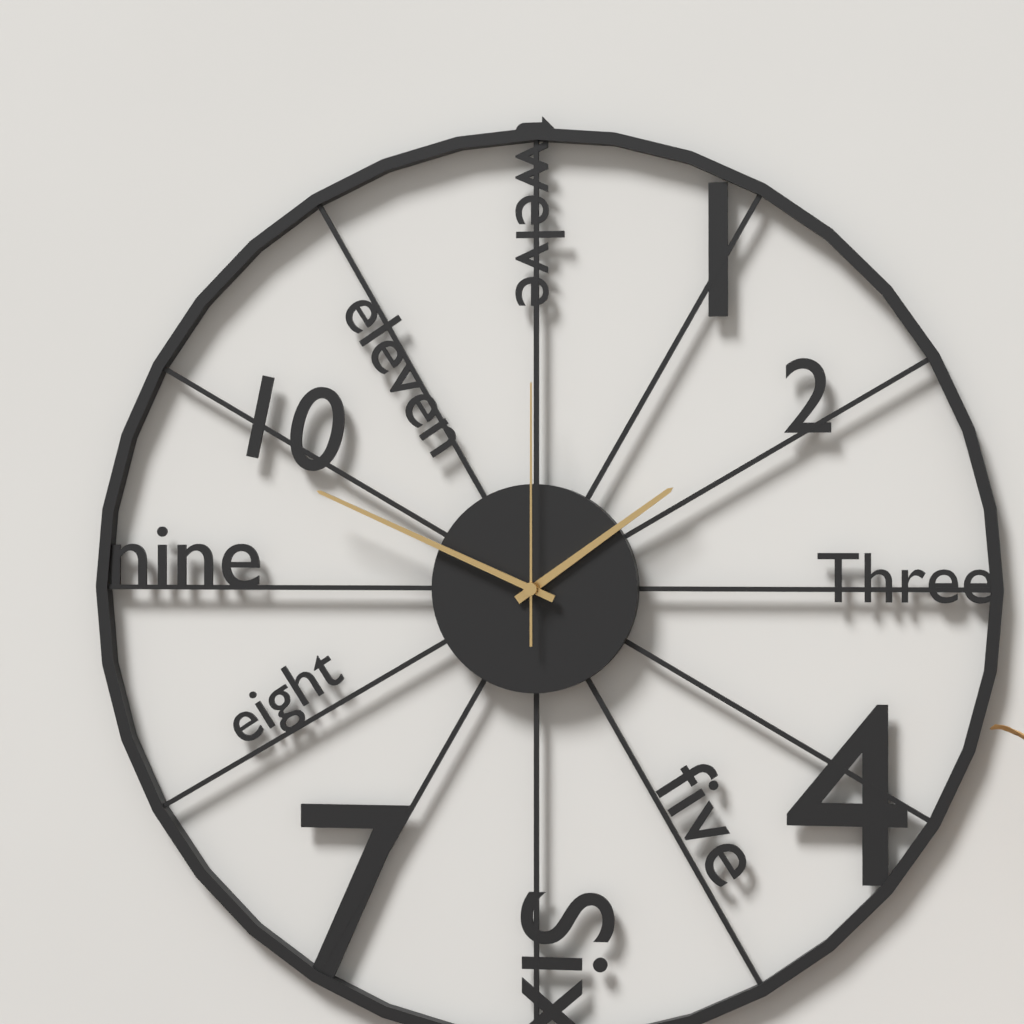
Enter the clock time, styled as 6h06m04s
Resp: 1h49m00s
